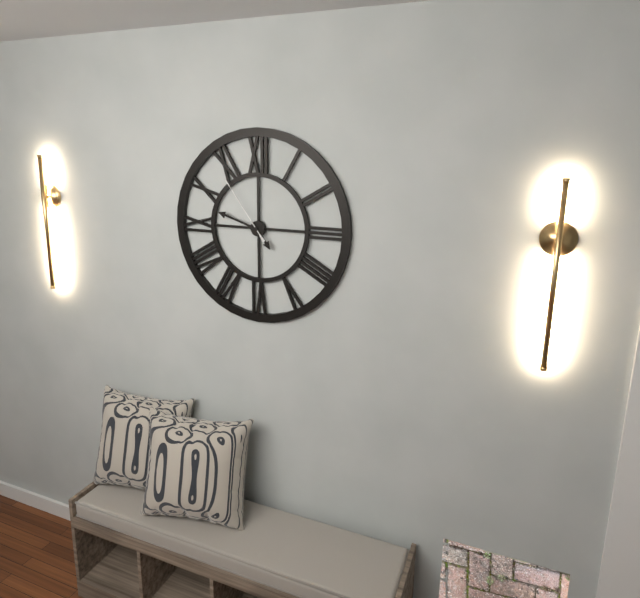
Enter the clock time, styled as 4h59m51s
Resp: 4h48m54s
